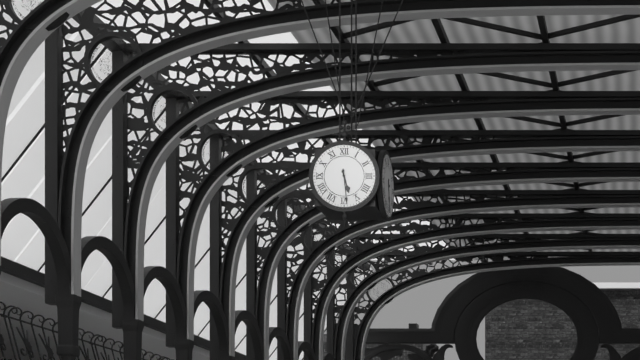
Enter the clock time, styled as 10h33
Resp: 5h29
